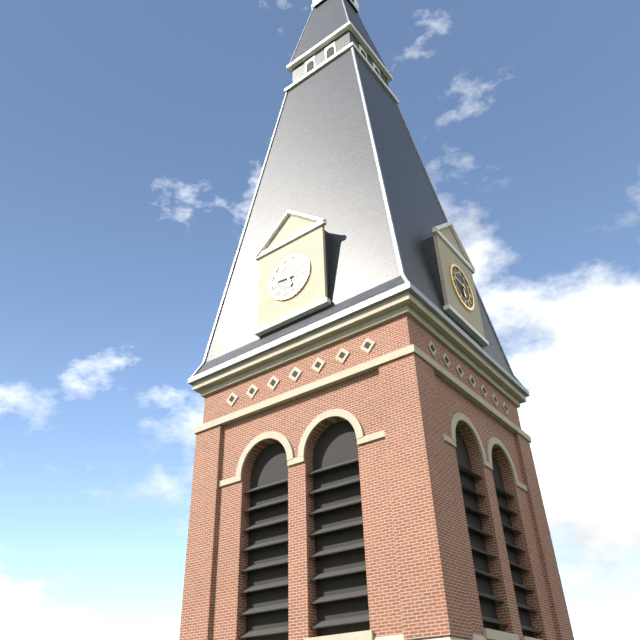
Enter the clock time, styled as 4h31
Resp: 5h46
